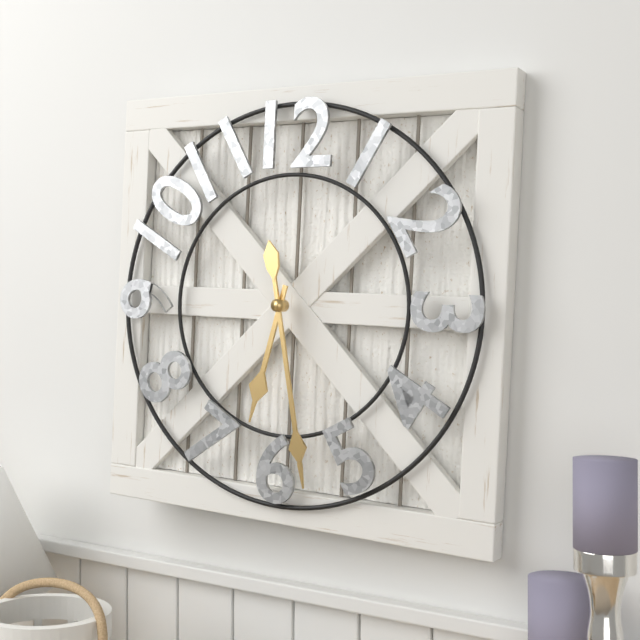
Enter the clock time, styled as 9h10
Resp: 6h28
